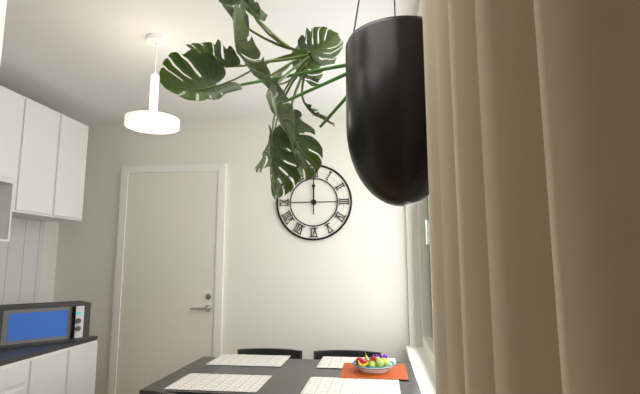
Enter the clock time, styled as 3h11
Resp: 12h00
